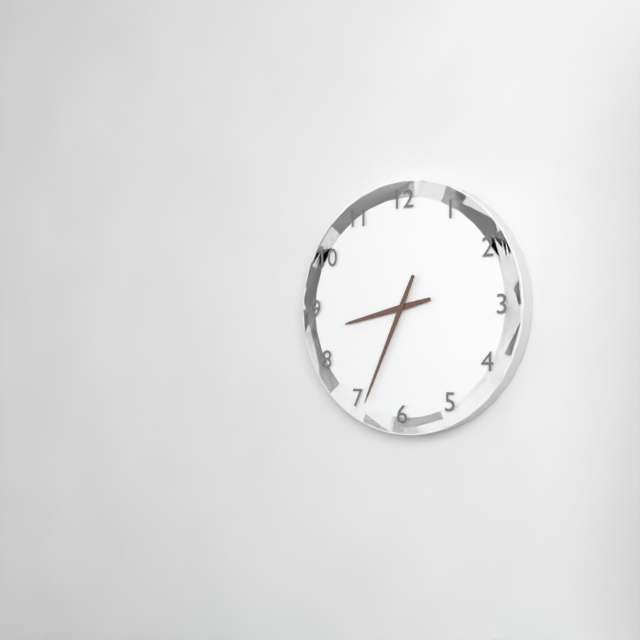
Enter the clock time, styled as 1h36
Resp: 8h34
